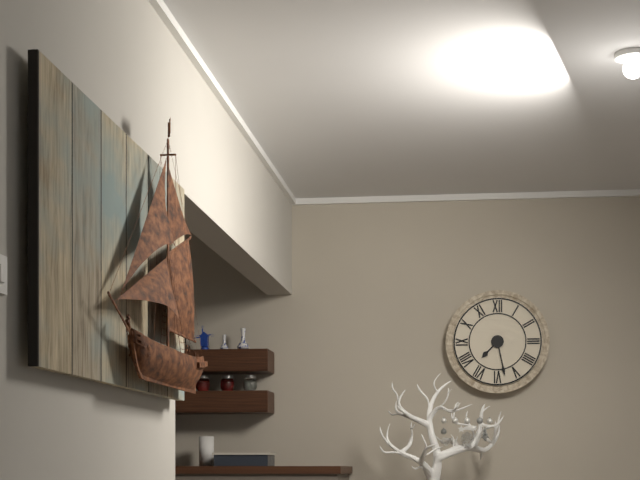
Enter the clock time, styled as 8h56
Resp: 7h28
